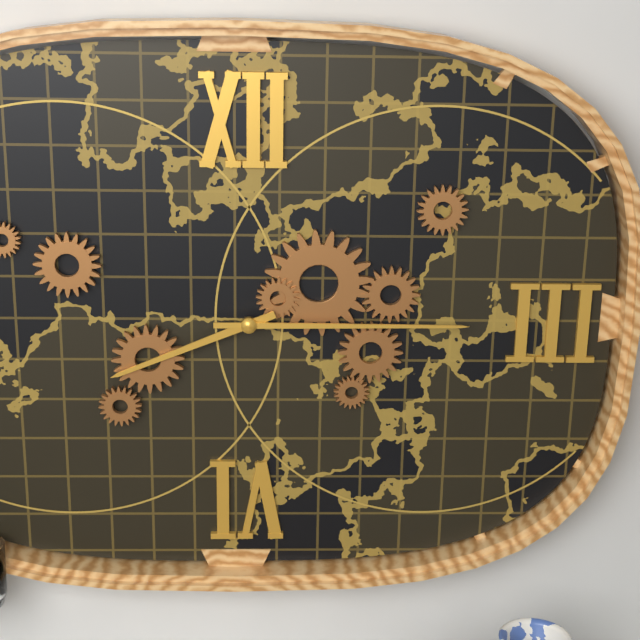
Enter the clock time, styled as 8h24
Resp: 8h15
